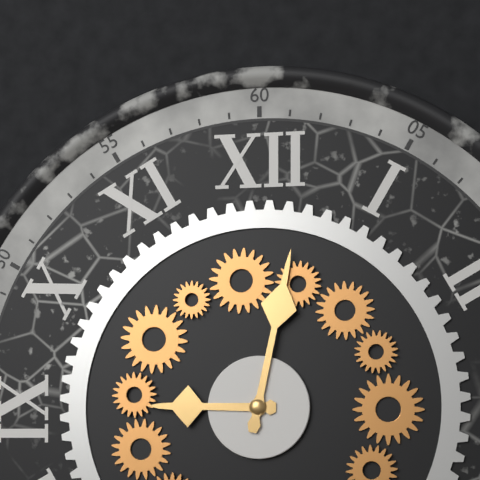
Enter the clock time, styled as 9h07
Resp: 9h02
